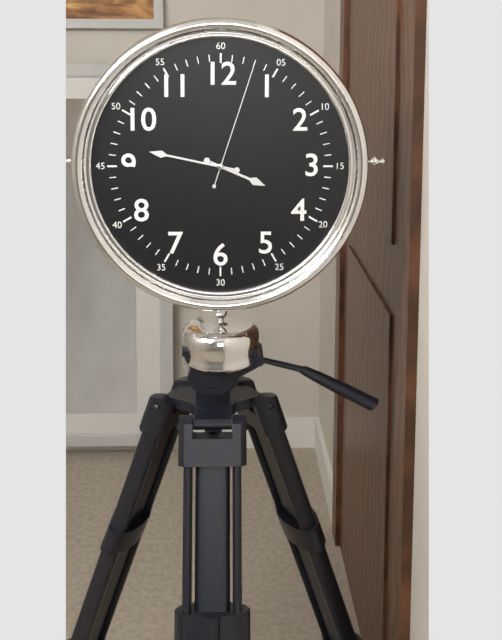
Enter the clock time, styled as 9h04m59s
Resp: 3h47m03s
